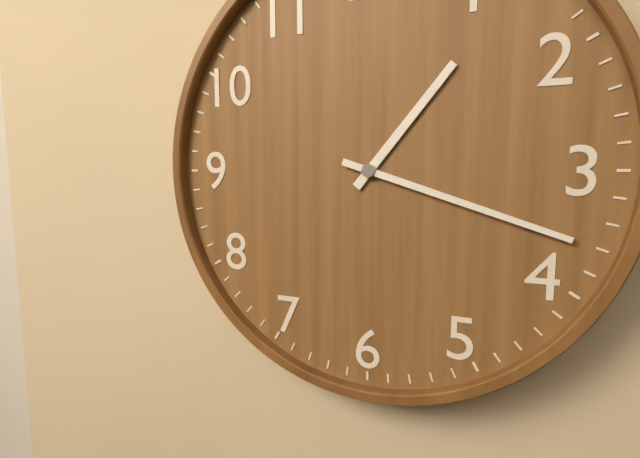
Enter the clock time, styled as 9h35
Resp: 1h18
